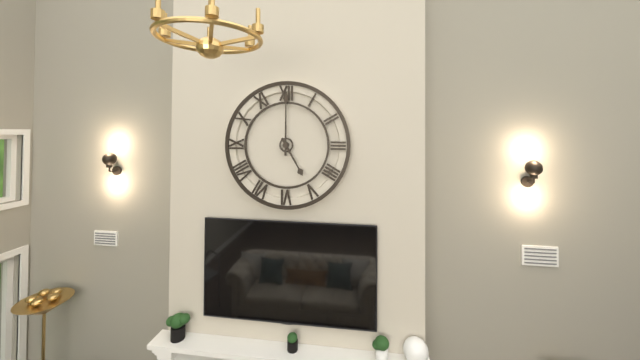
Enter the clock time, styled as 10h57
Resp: 5h00
